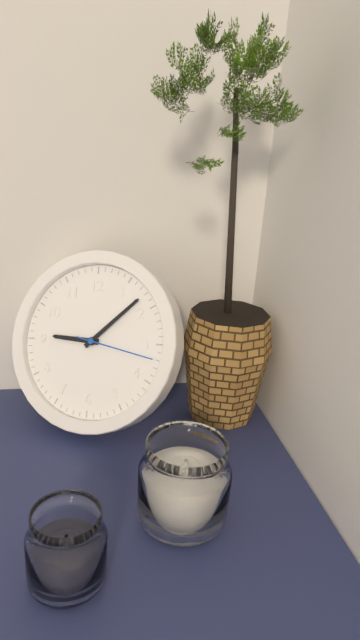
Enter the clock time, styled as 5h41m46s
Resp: 9h08m17s
